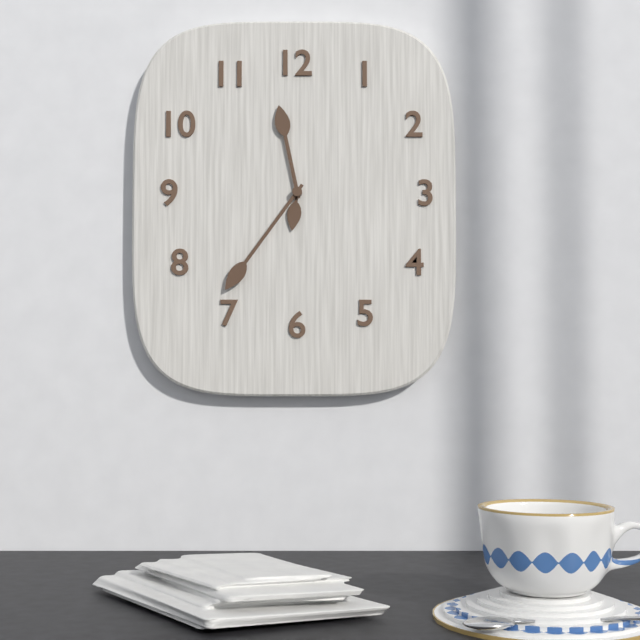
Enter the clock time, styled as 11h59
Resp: 11h36
